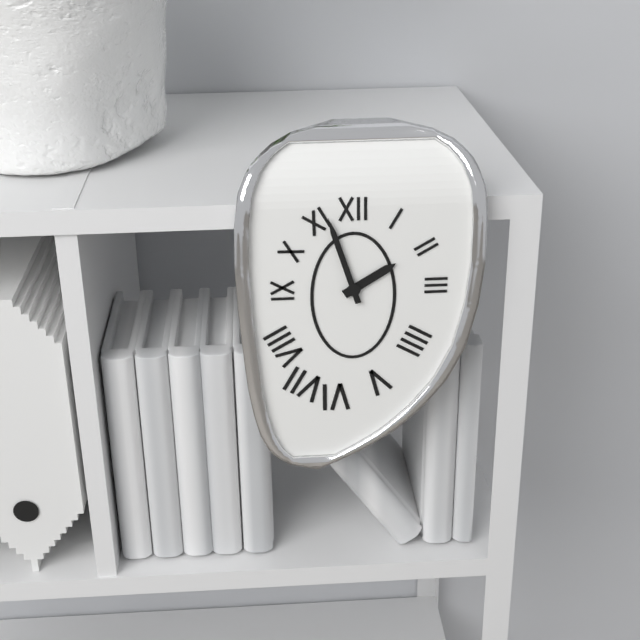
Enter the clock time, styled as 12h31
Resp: 1h57
